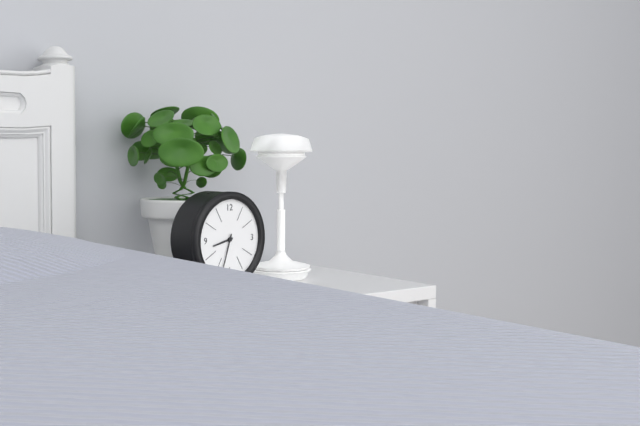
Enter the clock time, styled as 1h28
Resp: 8h33
